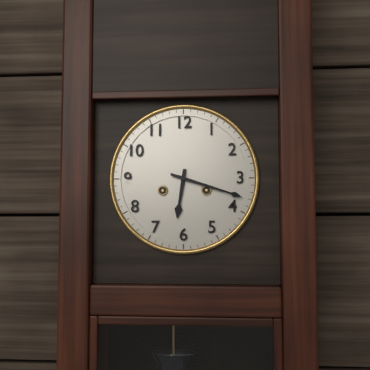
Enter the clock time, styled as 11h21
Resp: 6h18
